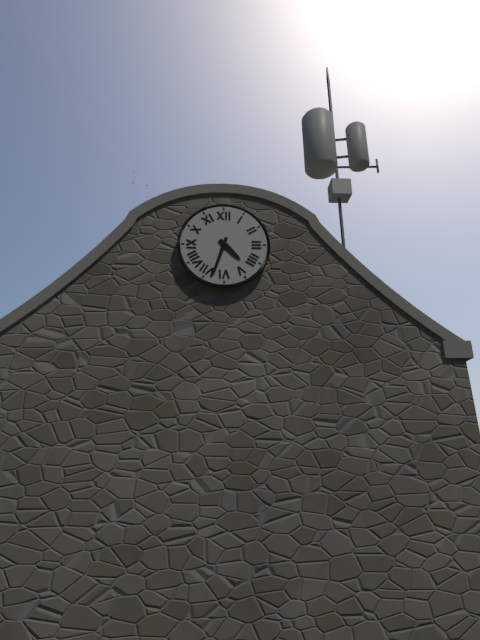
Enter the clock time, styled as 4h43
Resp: 4h33
